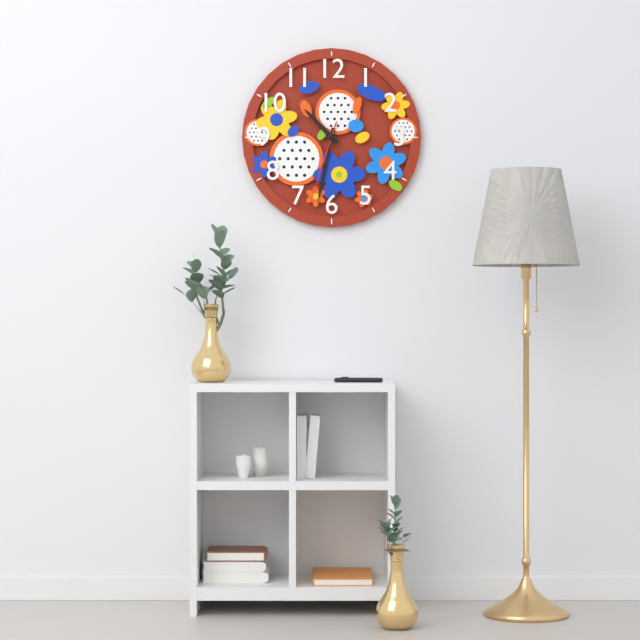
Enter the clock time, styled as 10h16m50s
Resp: 10h32m33s
